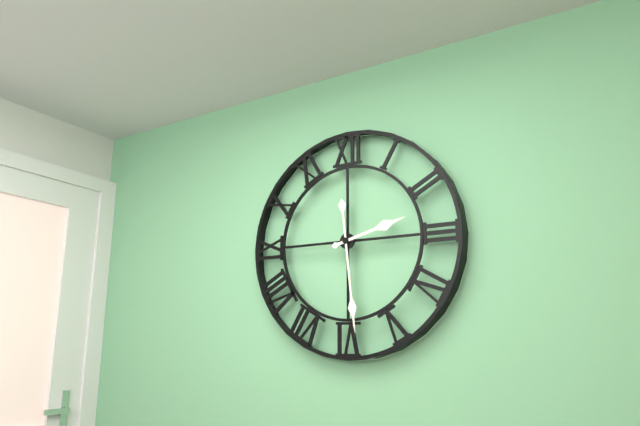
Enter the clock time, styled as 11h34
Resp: 2h29
